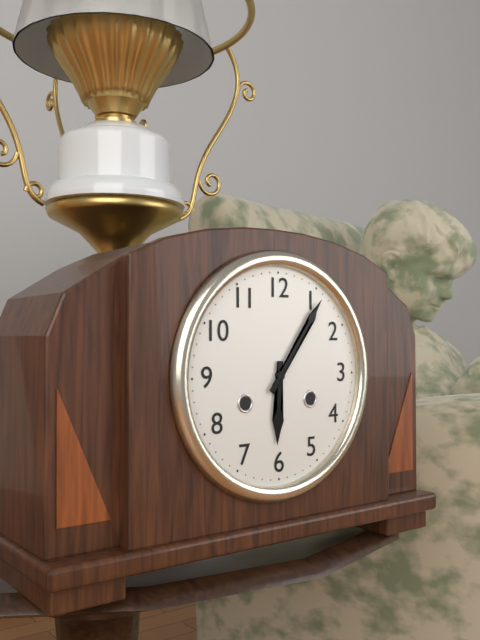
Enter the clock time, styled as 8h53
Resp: 6h06
